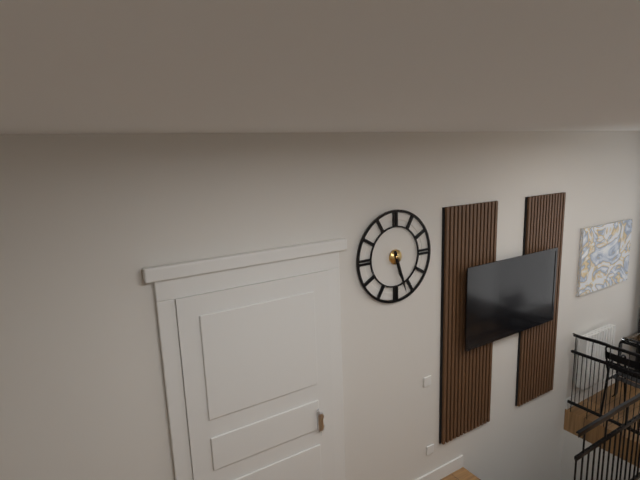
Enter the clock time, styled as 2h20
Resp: 5h27
